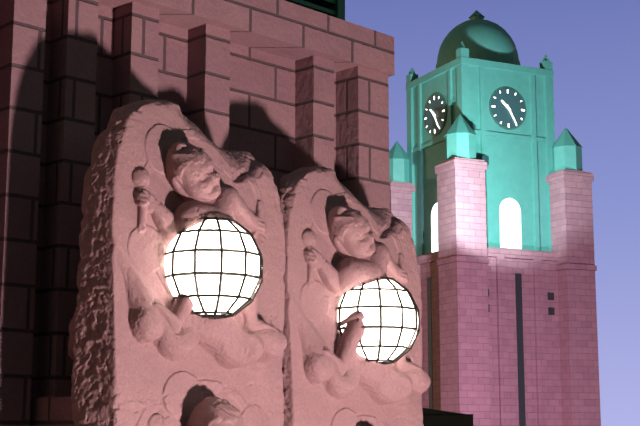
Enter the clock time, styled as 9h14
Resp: 10h25
